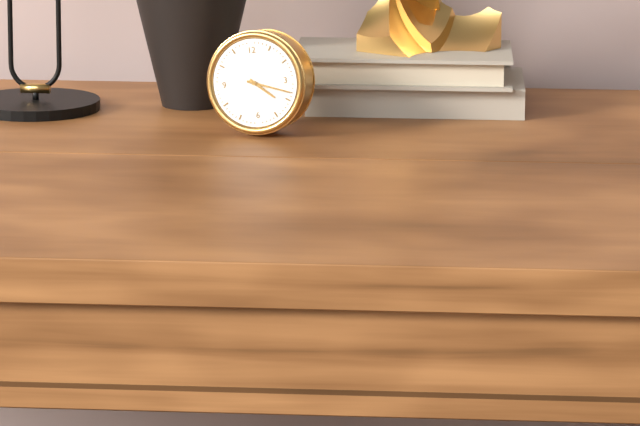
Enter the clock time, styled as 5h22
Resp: 4h18
